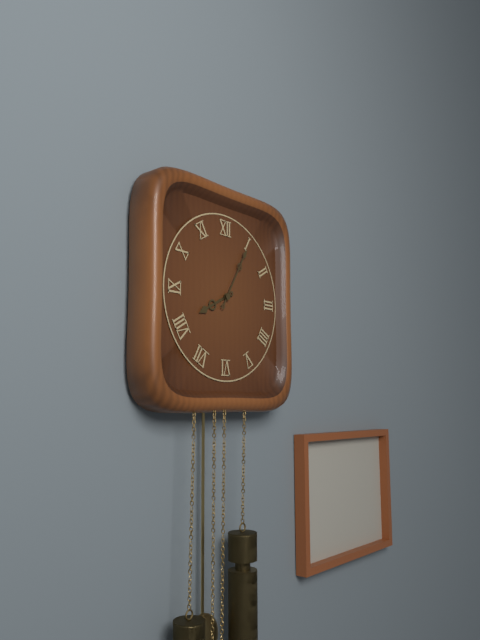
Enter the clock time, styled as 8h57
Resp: 8h05
